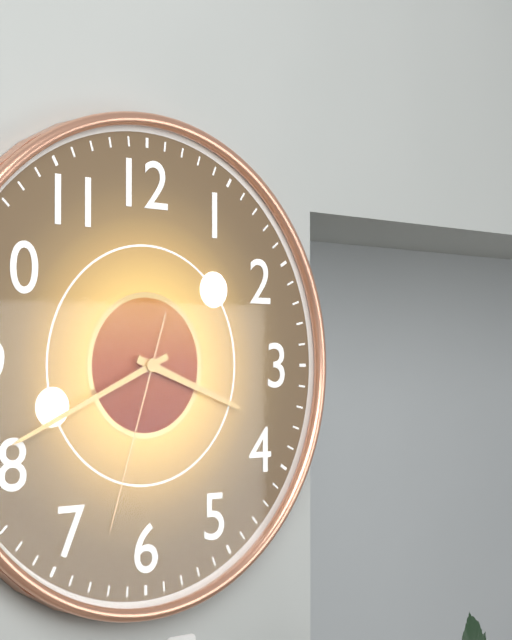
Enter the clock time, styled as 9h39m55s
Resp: 3h41m33s
